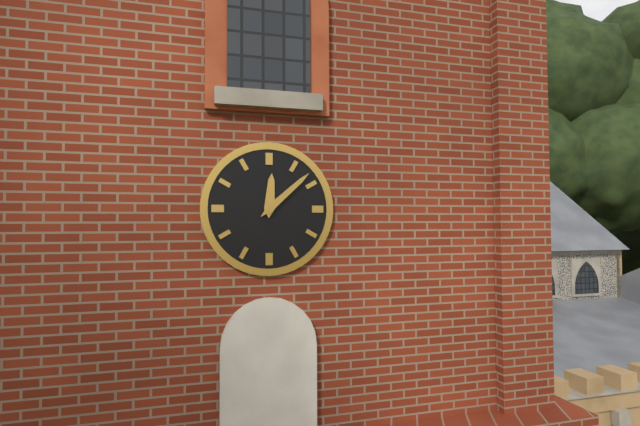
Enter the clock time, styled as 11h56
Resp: 12h08
